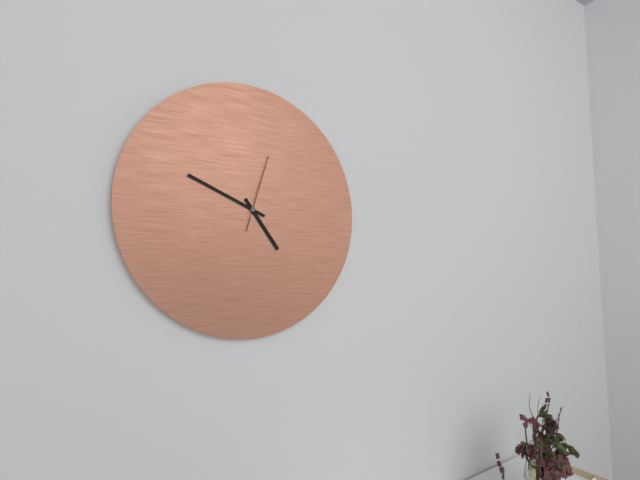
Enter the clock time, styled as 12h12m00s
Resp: 4h49m03s
